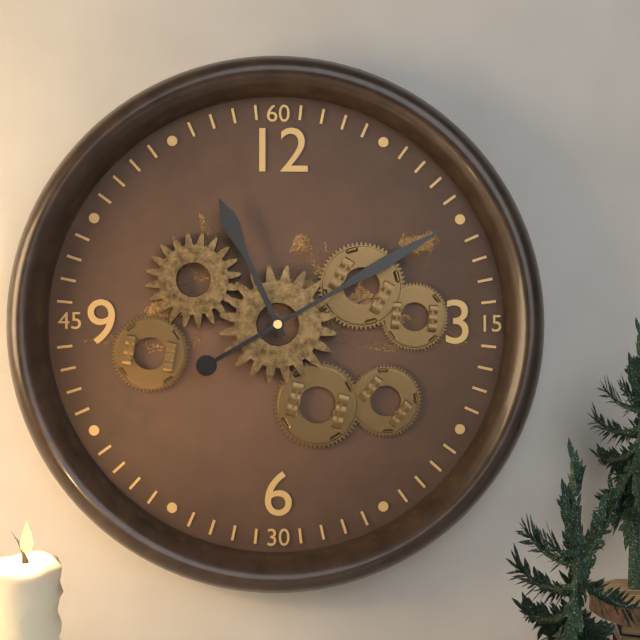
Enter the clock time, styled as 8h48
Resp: 11h10
